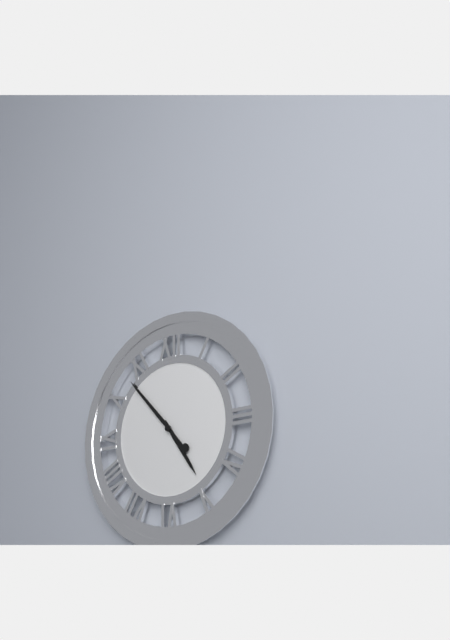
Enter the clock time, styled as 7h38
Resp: 4h53
